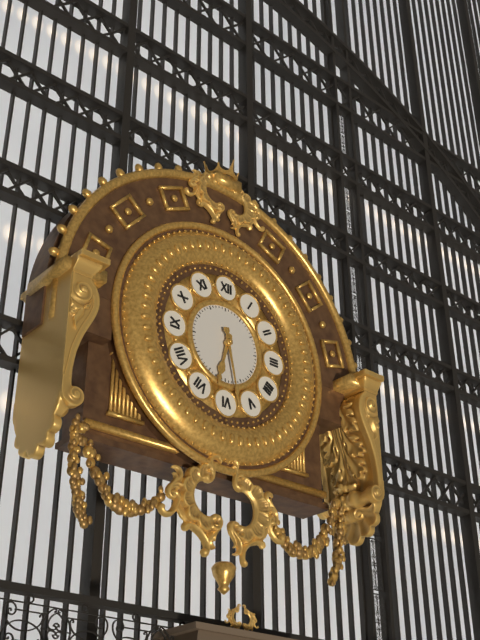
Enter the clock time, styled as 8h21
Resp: 6h28
